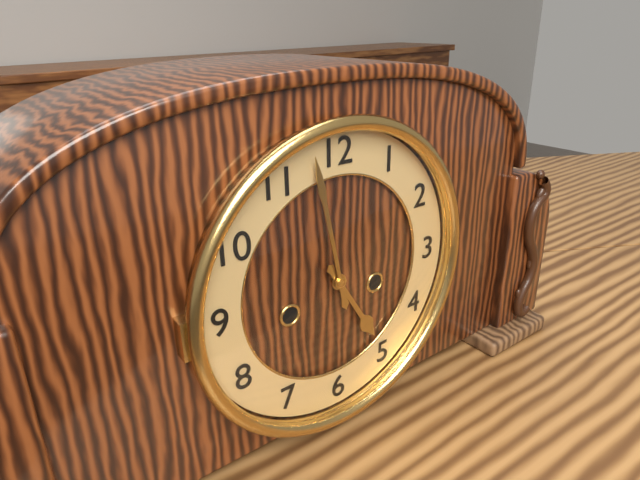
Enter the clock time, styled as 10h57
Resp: 4h58
